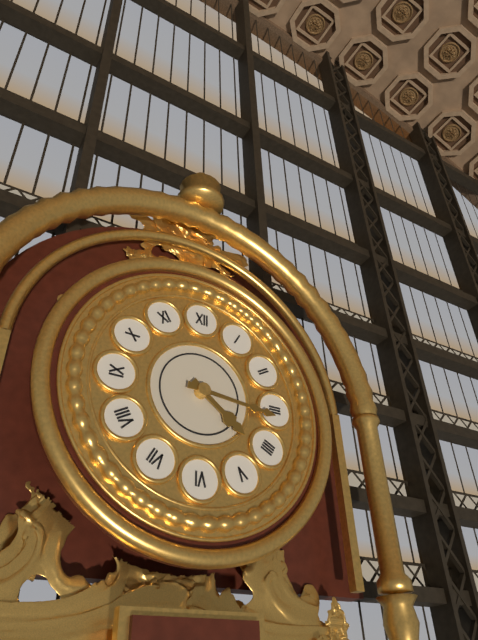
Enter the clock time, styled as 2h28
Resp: 4h16
